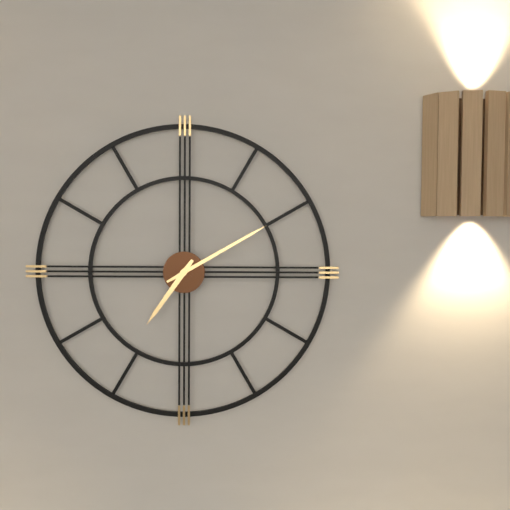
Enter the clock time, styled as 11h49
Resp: 7h10
